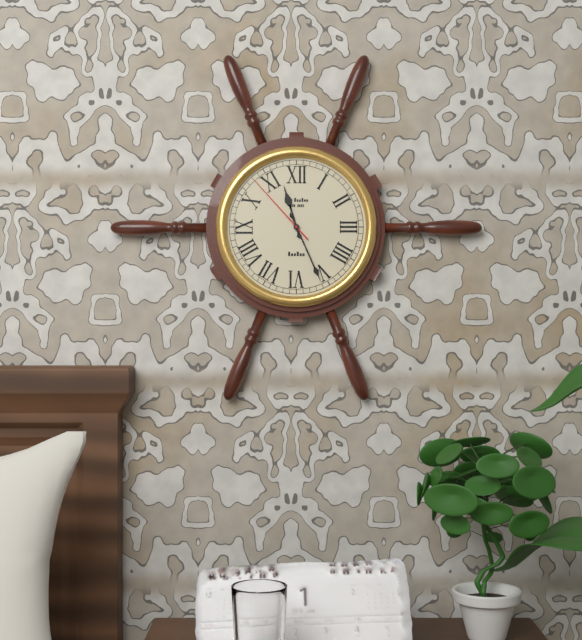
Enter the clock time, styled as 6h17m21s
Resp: 11h26m53s
